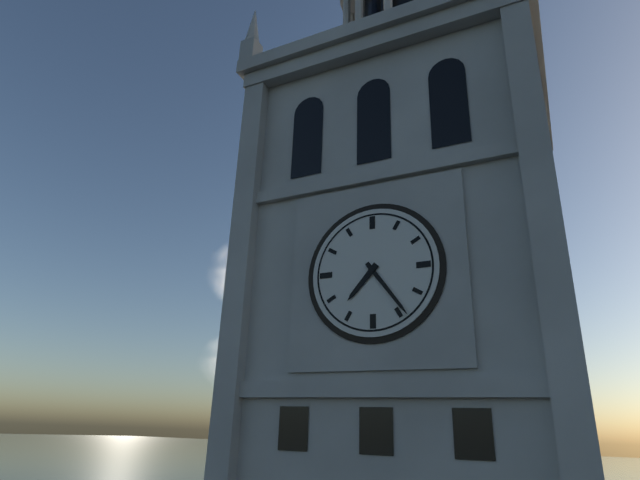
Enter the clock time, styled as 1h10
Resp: 7h24
